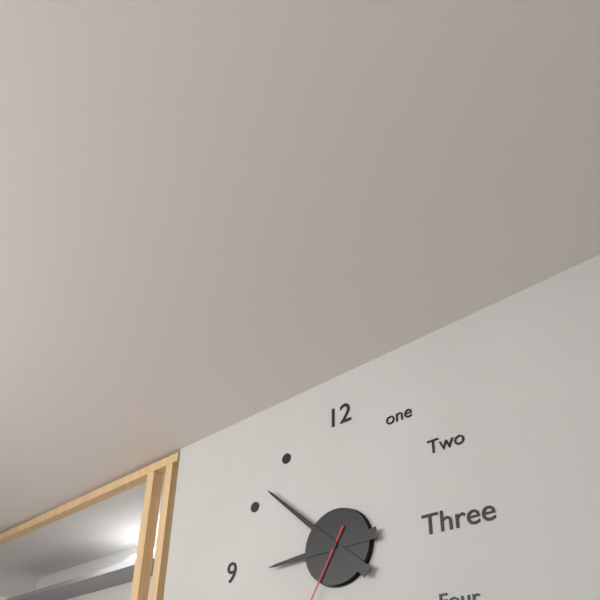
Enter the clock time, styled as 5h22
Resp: 8h52
